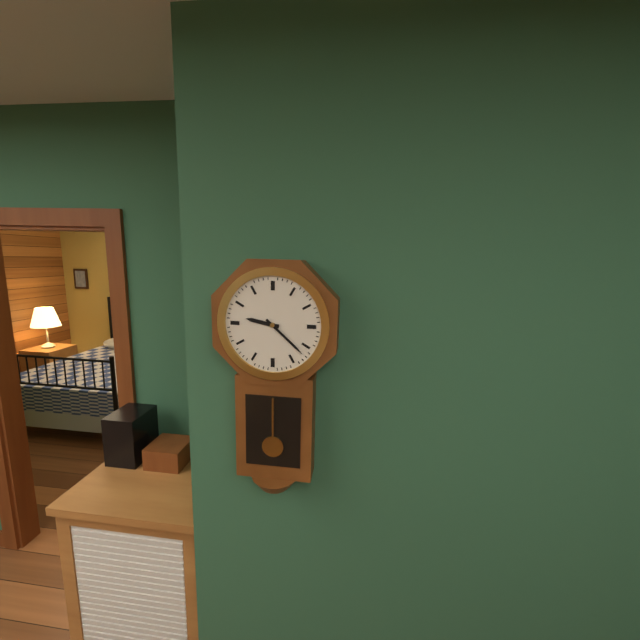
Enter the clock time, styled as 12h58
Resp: 9h22
